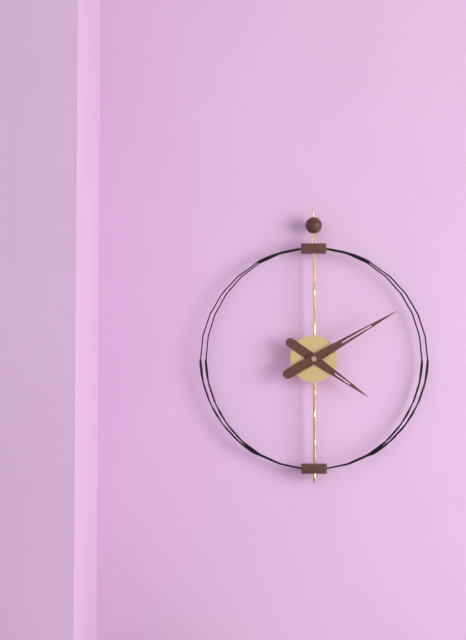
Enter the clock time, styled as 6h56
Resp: 4h10
